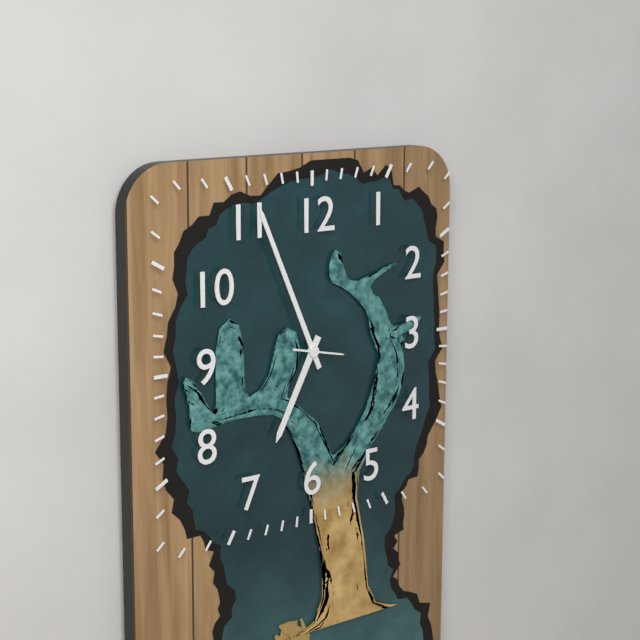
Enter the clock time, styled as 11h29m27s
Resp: 6h56m17s
